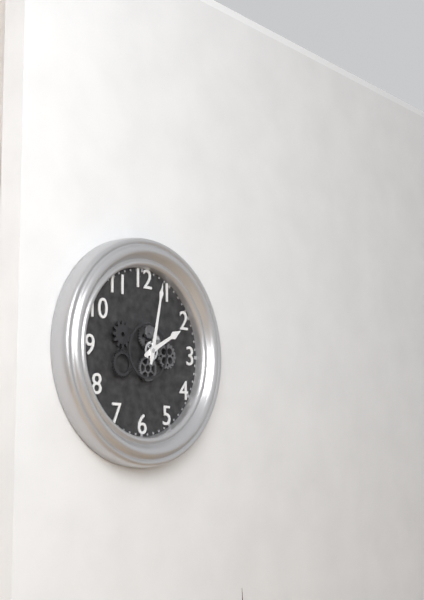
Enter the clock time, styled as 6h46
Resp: 2h02
